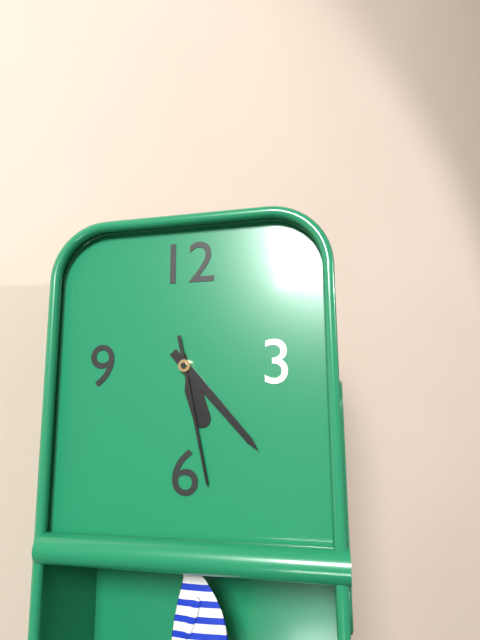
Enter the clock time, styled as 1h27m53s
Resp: 5h23m28s
